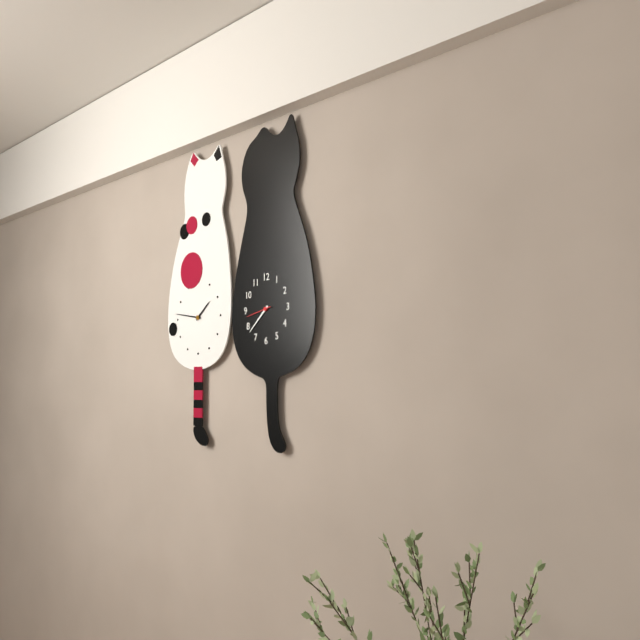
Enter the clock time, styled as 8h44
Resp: 7h38
